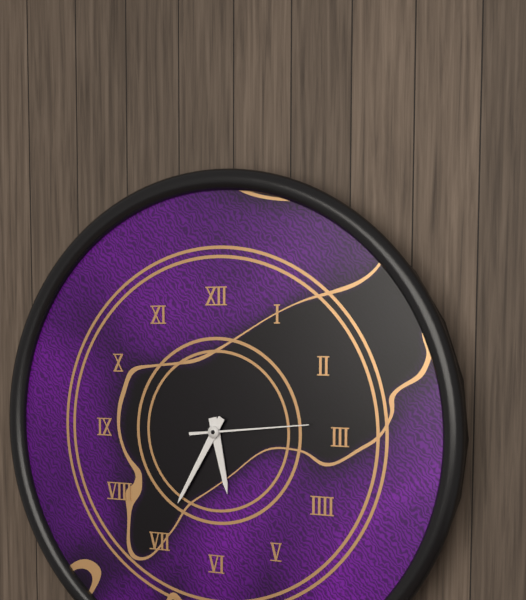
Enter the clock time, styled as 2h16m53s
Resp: 5h35m14s
